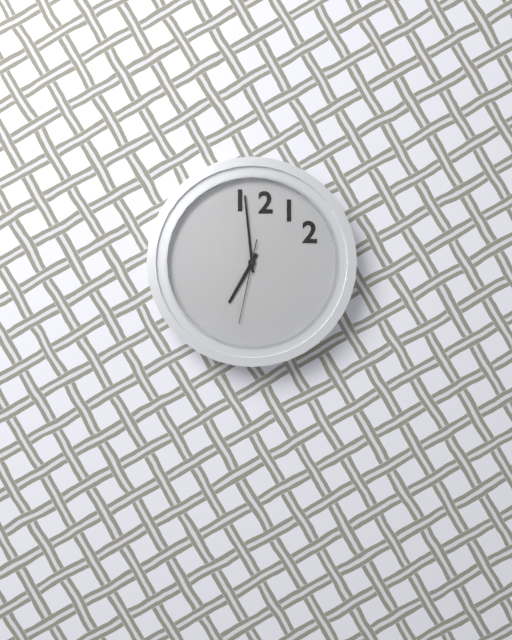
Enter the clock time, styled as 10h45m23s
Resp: 6h59m32s
